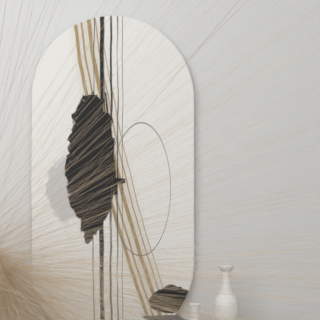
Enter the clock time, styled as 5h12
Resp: 8h59
